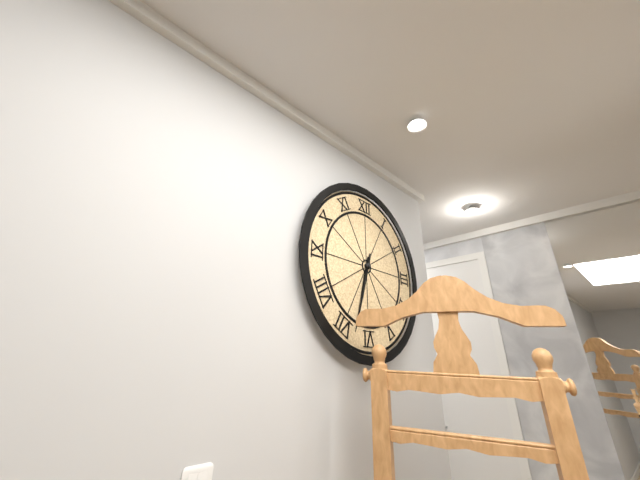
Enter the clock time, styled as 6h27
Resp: 6h33
